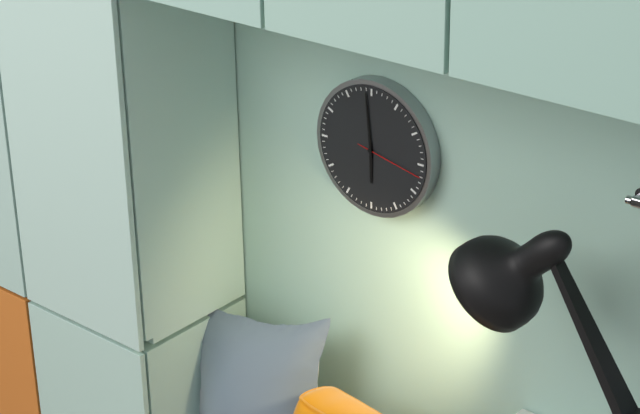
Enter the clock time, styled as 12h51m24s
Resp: 5h59m17s
